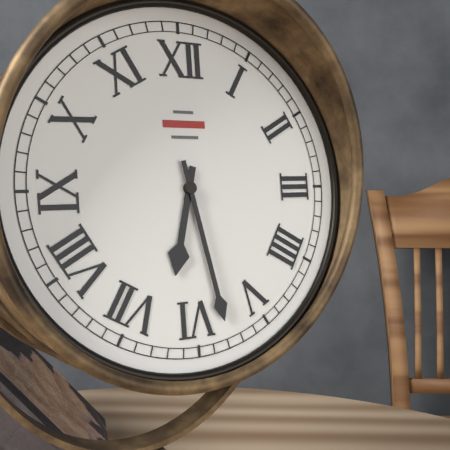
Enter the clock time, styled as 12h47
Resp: 6h28
